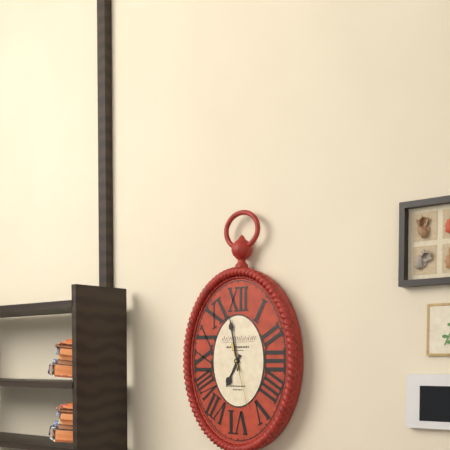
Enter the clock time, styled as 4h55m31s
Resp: 6h58m27s
